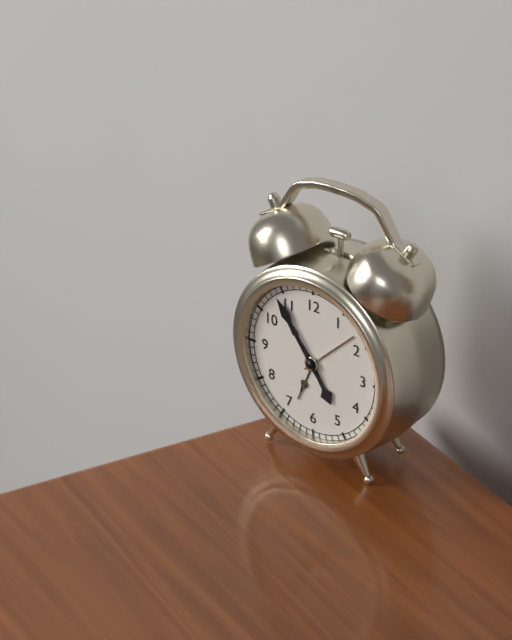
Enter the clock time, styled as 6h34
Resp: 4h54
